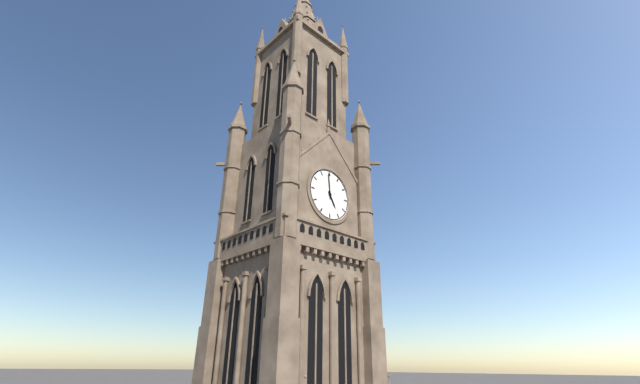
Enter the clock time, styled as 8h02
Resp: 4h59
